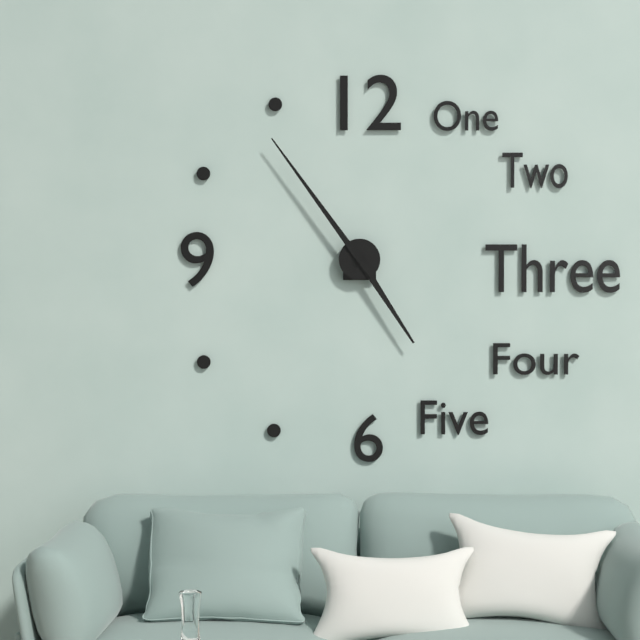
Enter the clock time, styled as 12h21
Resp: 4h54
